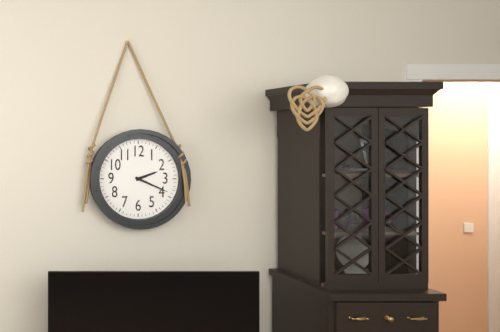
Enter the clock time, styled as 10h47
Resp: 2h19
